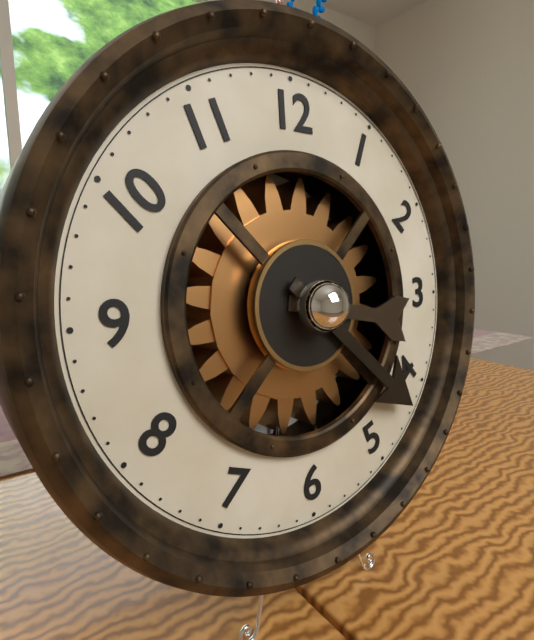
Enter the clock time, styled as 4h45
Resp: 3h22
